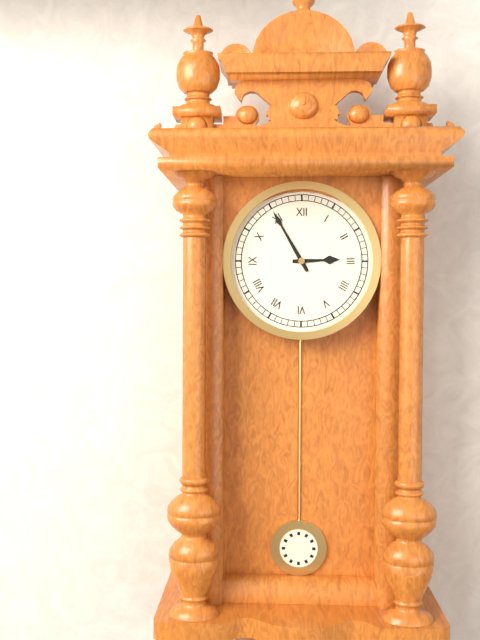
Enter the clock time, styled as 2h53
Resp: 2h55
